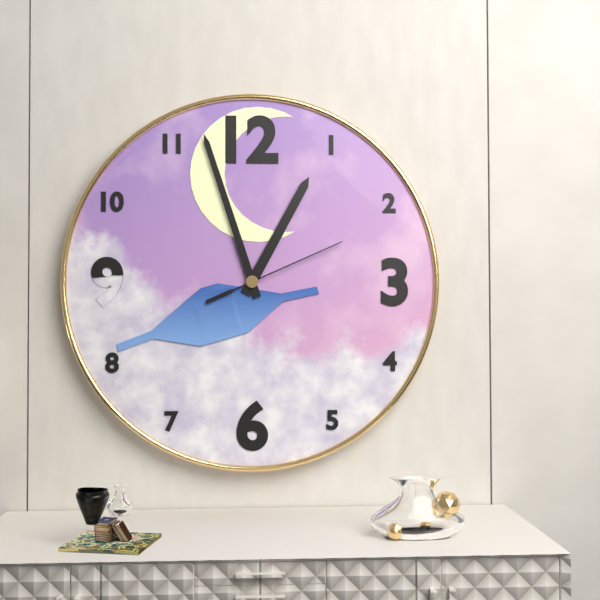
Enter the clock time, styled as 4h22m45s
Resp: 12h57m11s
